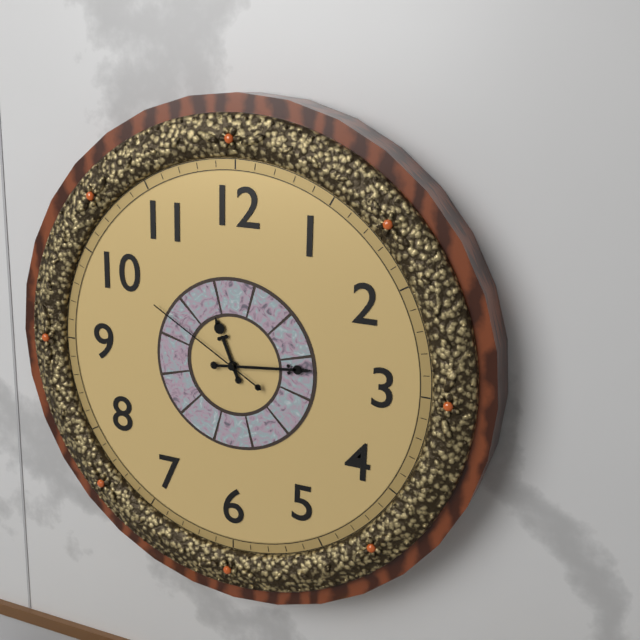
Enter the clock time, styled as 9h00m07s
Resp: 11h14m50s
